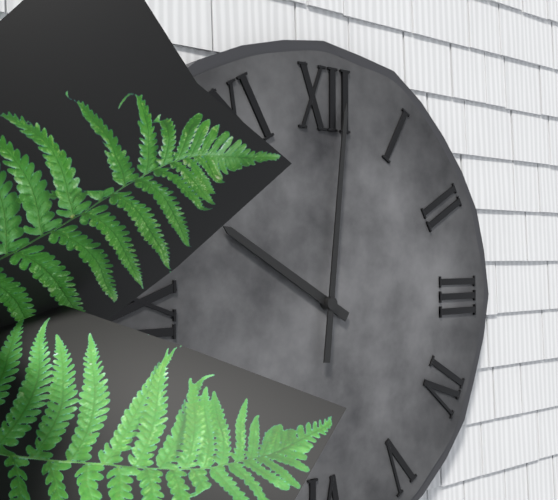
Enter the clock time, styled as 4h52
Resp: 10h01
